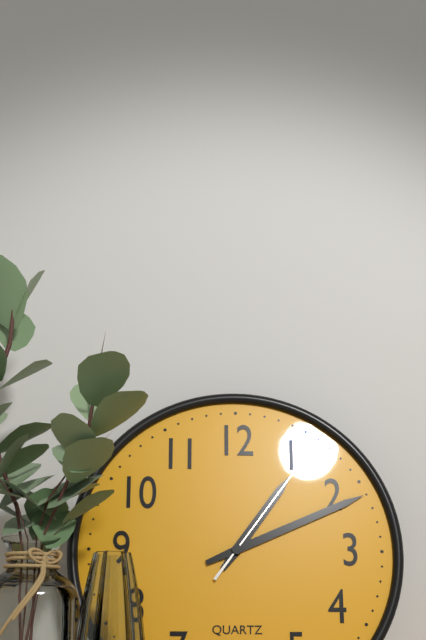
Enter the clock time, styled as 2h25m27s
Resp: 1h11m06s
